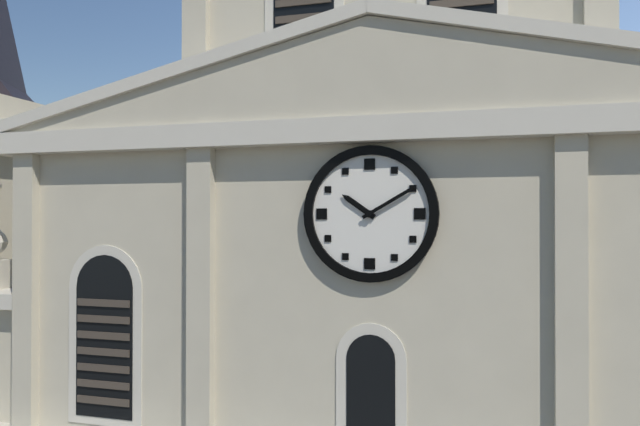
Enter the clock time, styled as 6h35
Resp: 10h10
